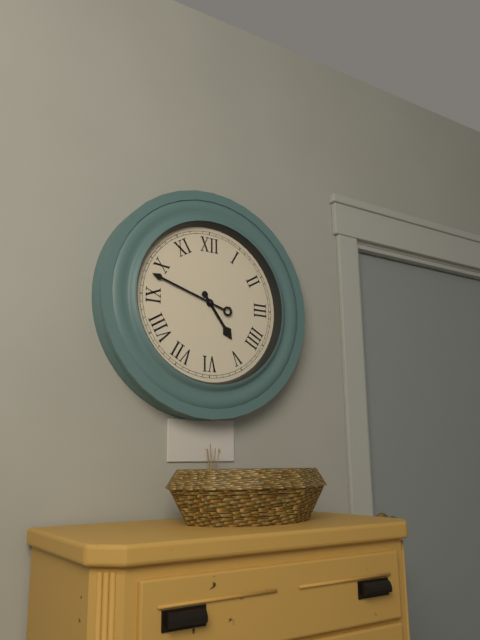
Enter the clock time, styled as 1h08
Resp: 4h48
